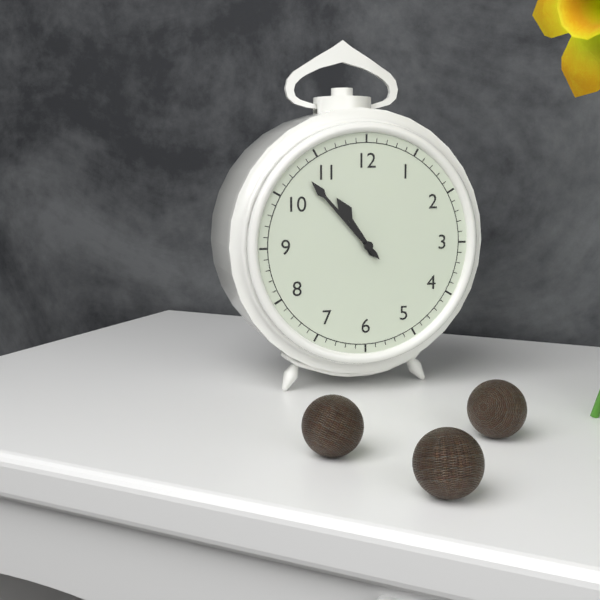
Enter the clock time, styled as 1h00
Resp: 10h53
